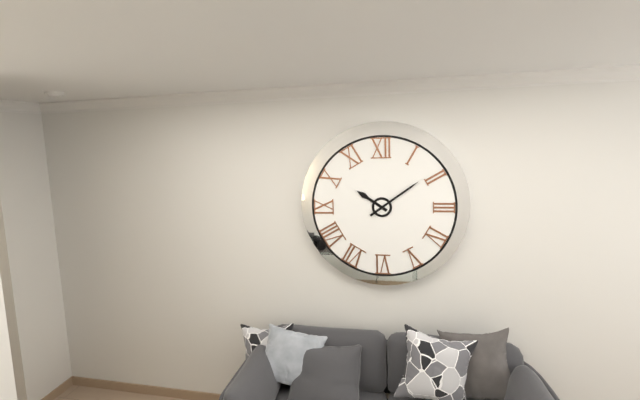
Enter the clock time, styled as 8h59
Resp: 10h09
